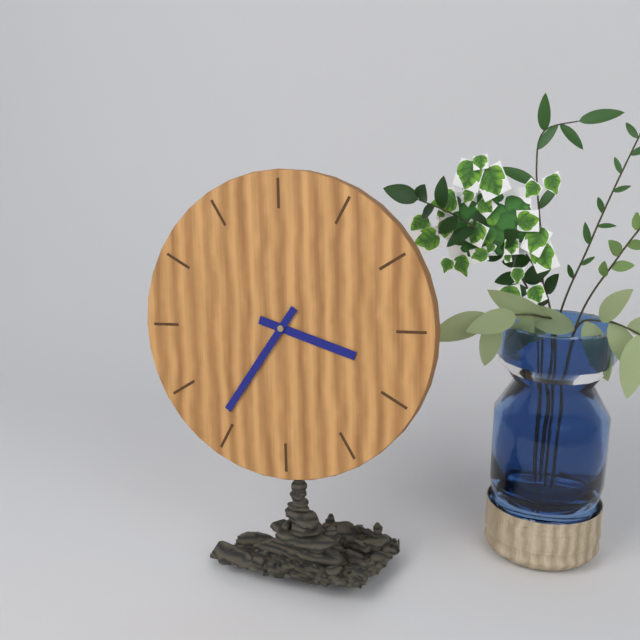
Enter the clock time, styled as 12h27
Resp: 3h36
